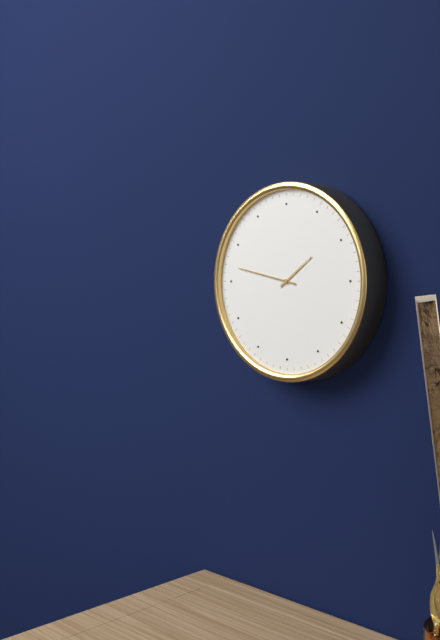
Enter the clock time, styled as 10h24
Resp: 1h47
